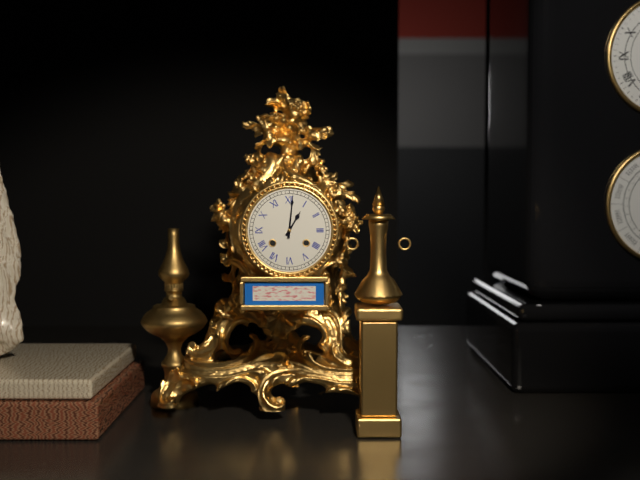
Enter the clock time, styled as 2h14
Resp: 1h01
